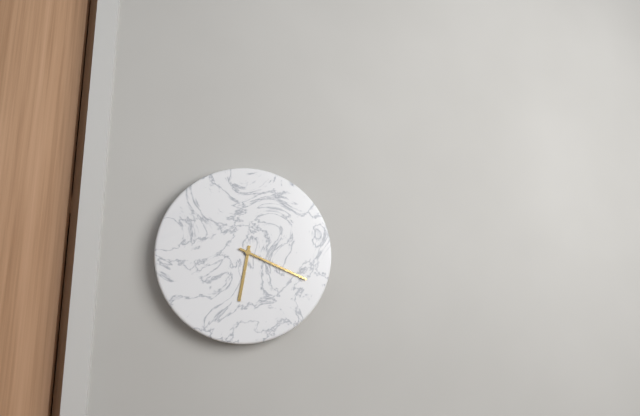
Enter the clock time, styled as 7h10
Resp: 6h19
